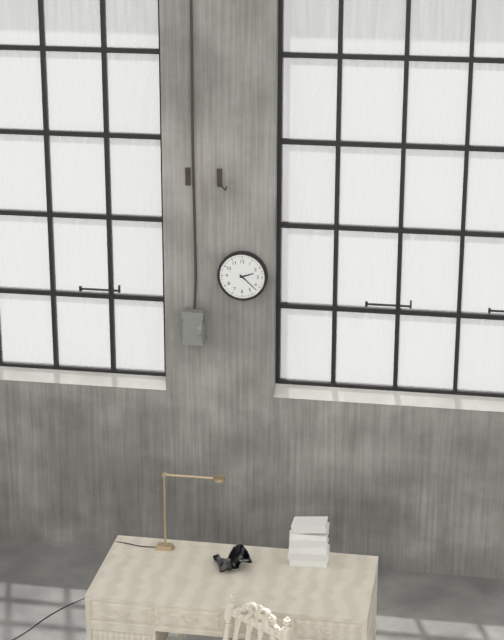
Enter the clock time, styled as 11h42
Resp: 2h22
